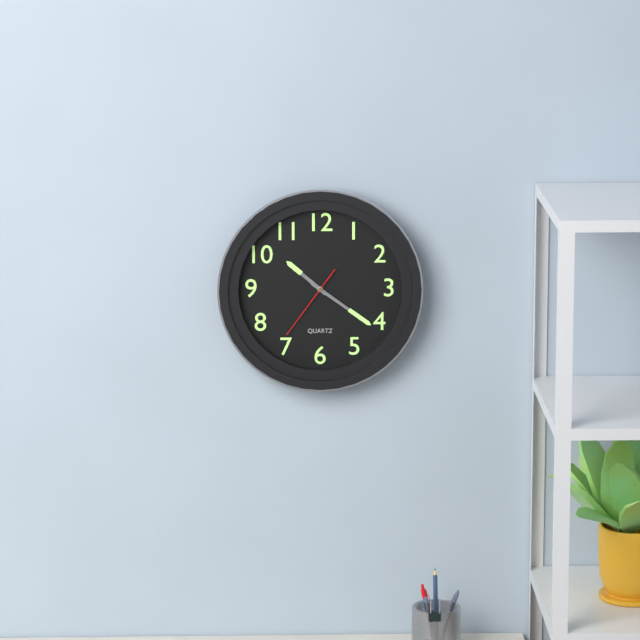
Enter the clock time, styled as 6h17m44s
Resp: 10h21m36s
